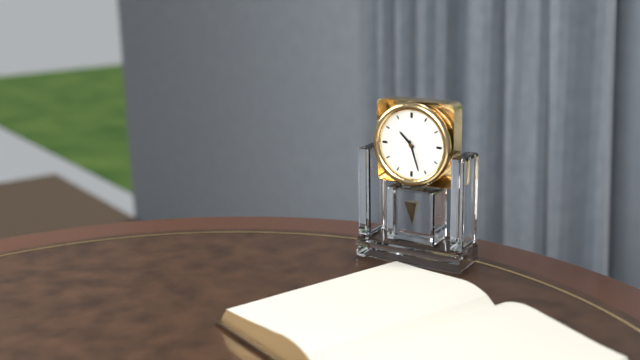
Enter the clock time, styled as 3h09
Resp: 10h27
